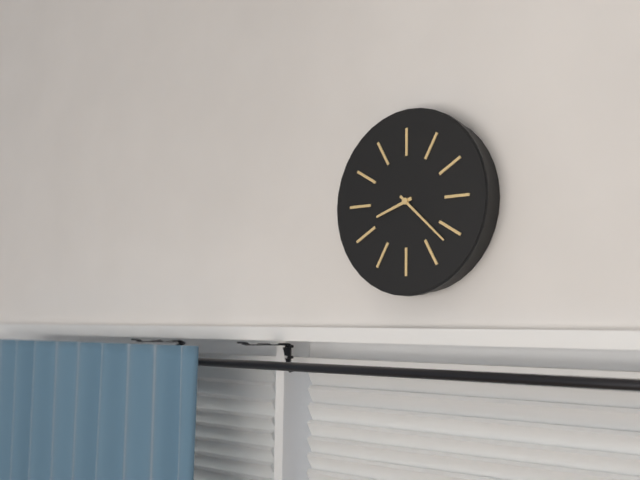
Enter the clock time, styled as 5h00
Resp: 8h22
